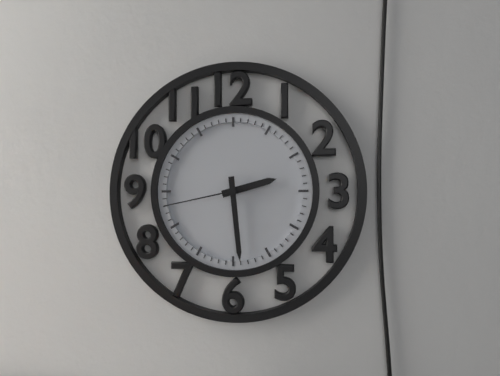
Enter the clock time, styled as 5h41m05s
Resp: 2h29m43s
